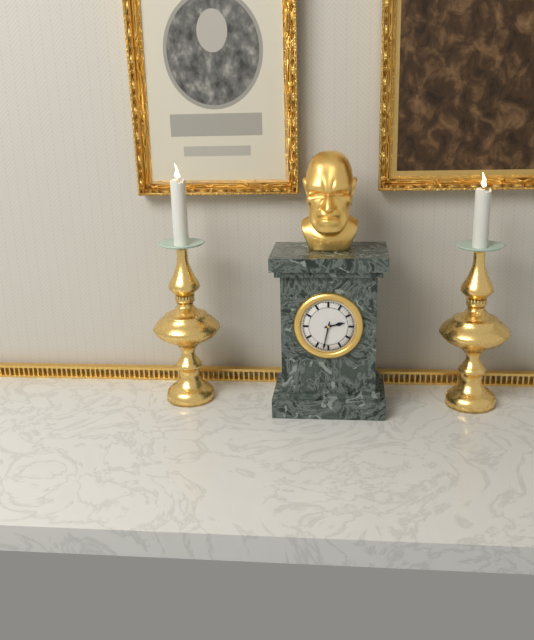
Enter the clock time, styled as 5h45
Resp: 2h32
